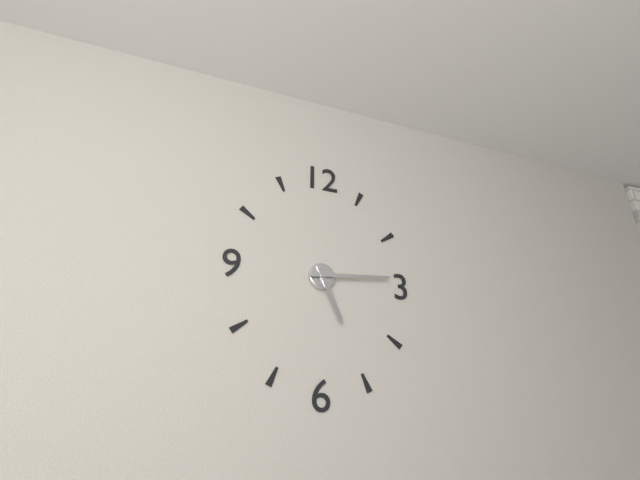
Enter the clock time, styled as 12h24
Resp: 5h14
